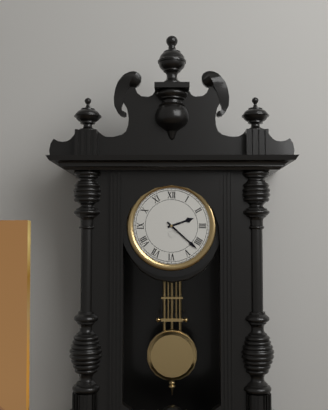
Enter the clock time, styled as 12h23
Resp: 2h22
